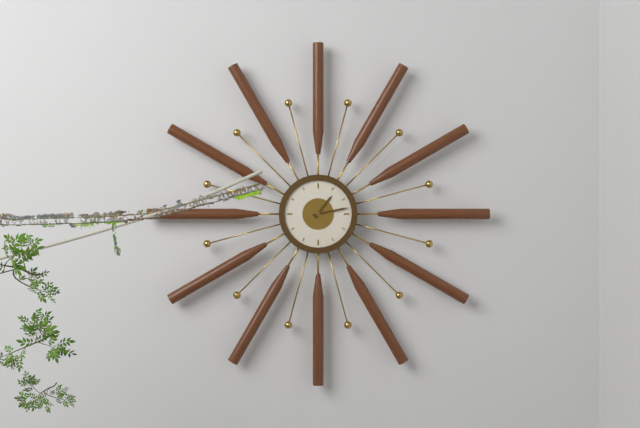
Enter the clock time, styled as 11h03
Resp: 1h13
